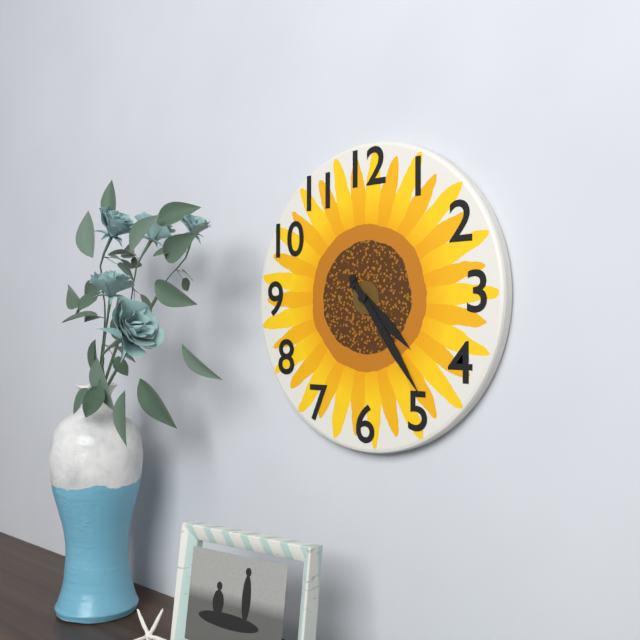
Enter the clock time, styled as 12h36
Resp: 4h24
